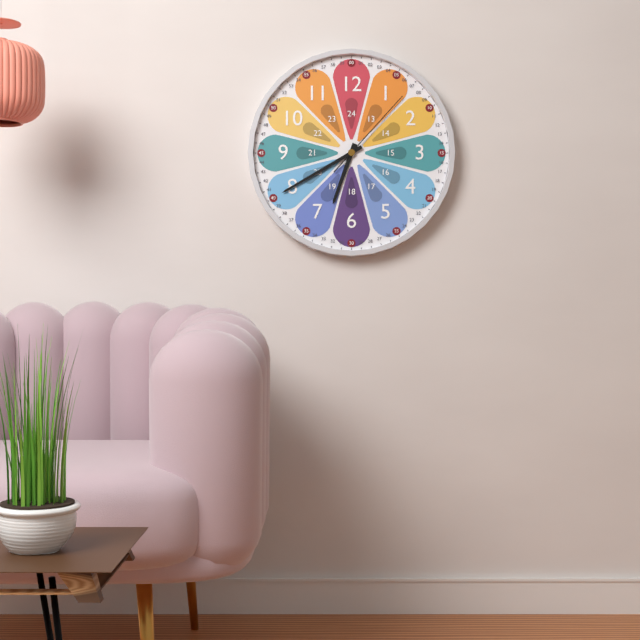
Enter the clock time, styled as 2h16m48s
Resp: 6h40m07s
